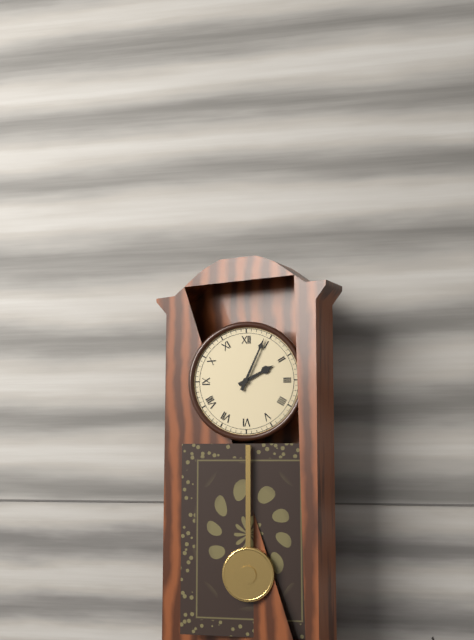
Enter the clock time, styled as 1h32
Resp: 2h04
